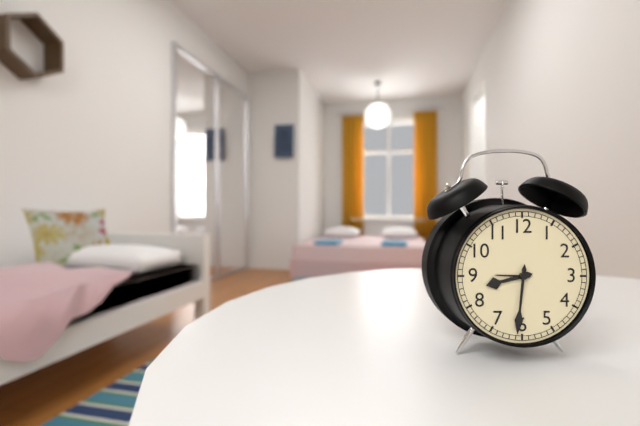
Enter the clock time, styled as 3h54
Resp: 8h31
